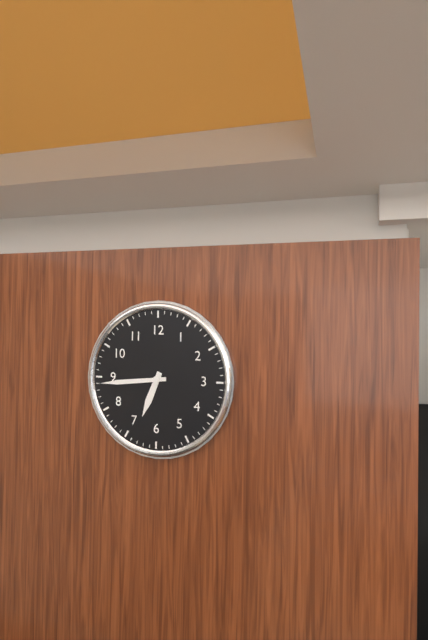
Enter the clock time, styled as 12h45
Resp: 6h44
